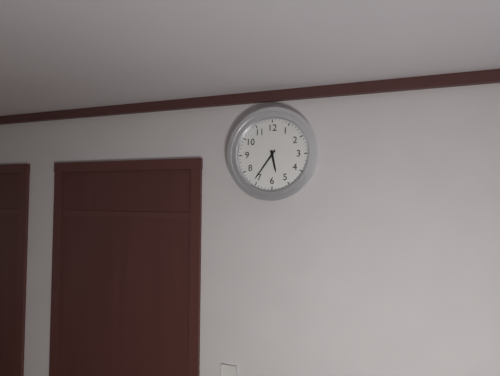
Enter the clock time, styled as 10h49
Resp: 5h36
